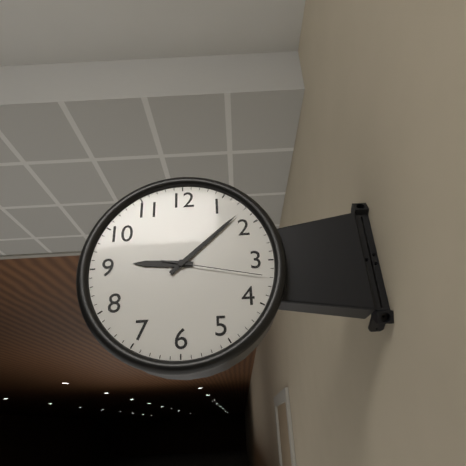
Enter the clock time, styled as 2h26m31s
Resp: 9h08m17s
